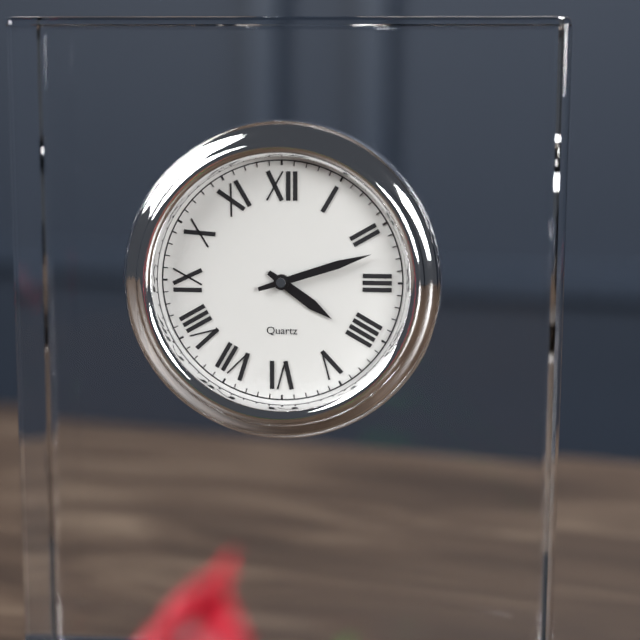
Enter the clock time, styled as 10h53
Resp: 4h12
